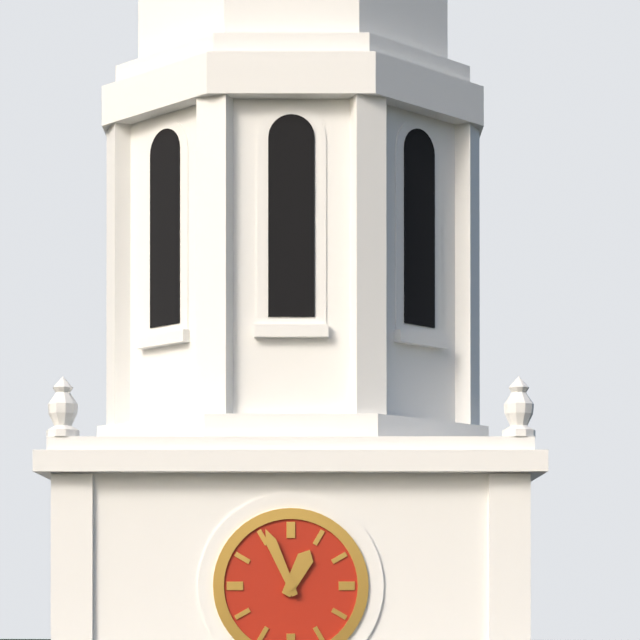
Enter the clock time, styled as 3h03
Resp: 12h56
